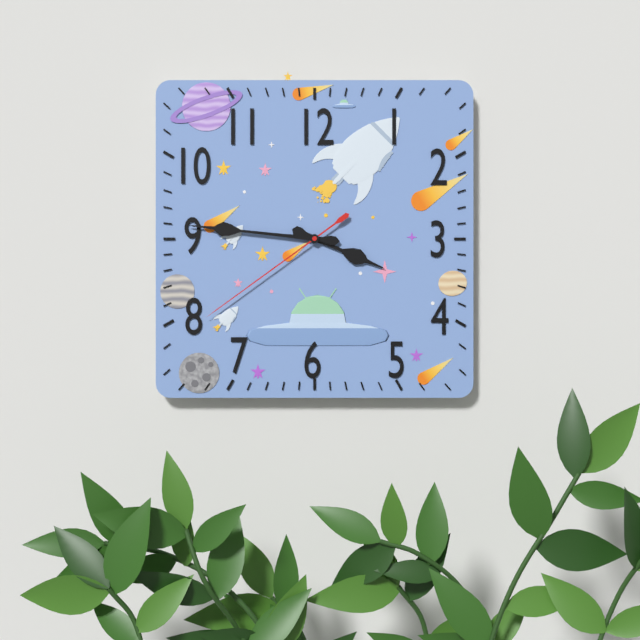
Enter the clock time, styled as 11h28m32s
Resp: 3h46m39s
